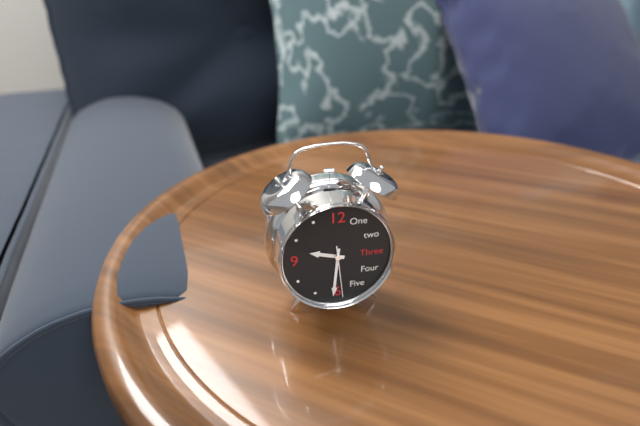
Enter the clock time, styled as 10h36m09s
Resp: 9h31m29s
